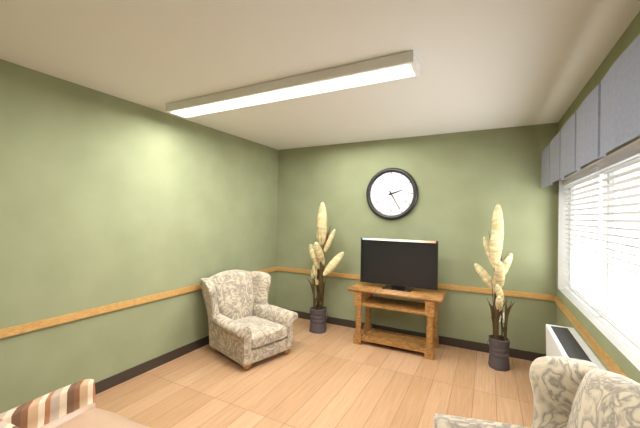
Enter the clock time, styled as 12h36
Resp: 2h25
